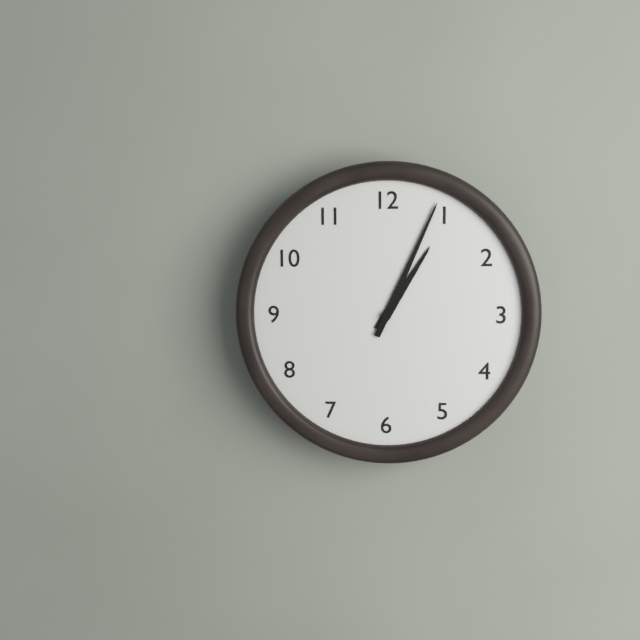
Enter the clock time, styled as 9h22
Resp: 1h04
